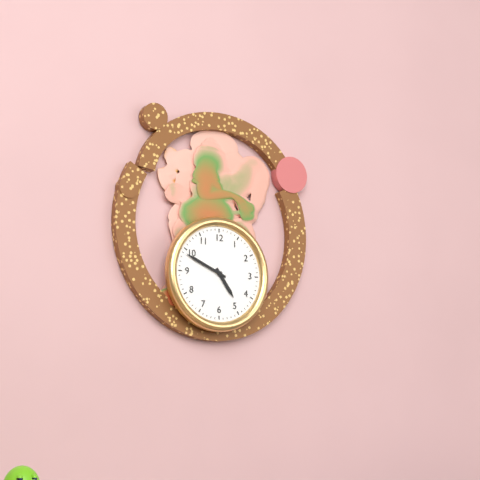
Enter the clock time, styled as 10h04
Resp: 4h49
